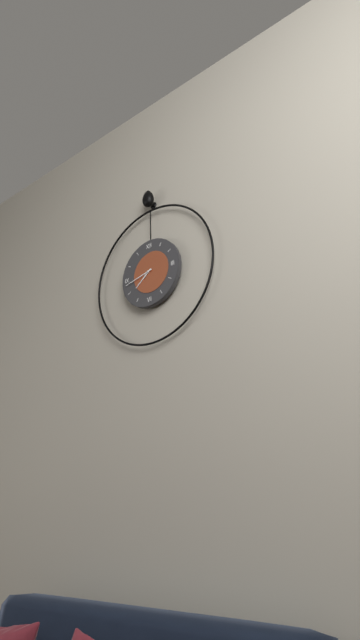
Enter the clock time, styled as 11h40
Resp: 7h43
